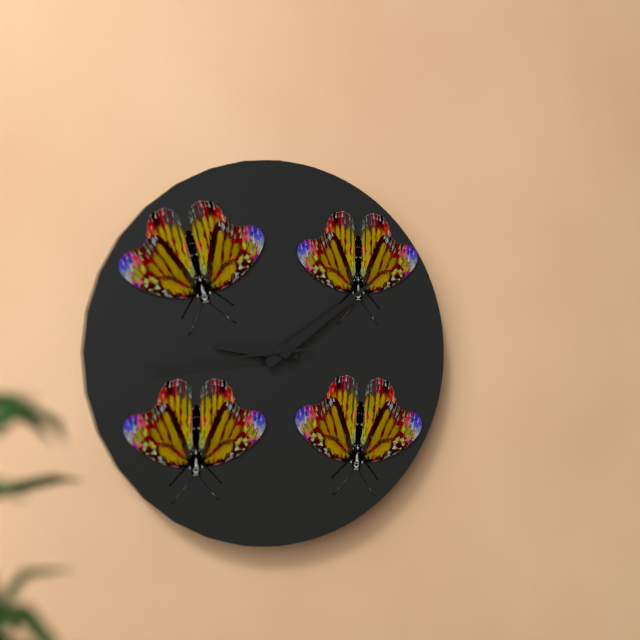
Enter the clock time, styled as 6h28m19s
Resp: 9h09m44s
